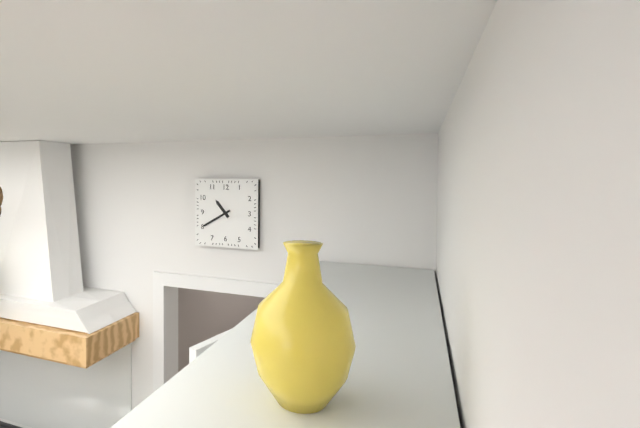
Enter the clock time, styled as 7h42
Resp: 10h40
